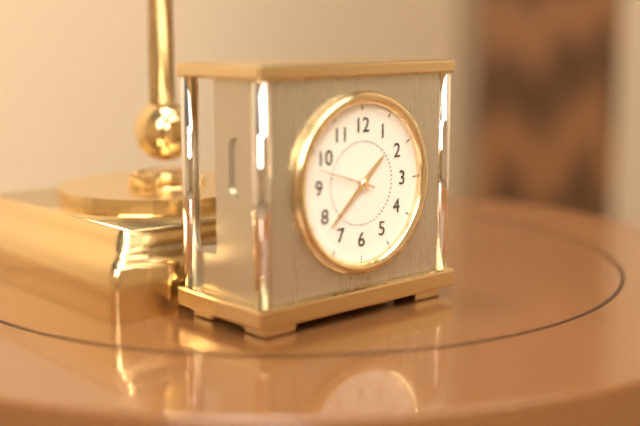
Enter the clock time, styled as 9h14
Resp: 1h38
